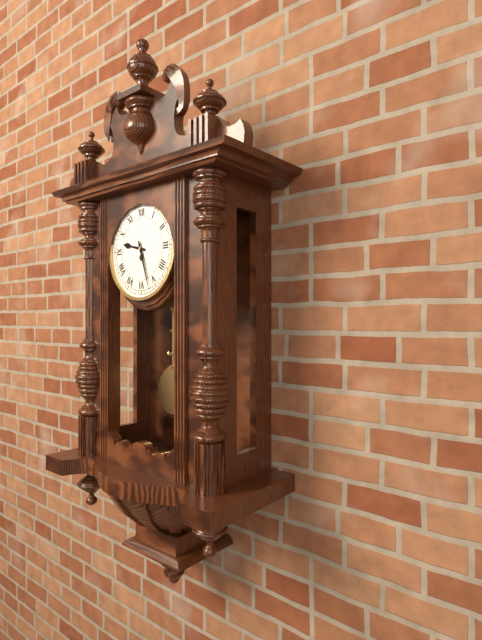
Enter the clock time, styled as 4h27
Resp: 9h27
